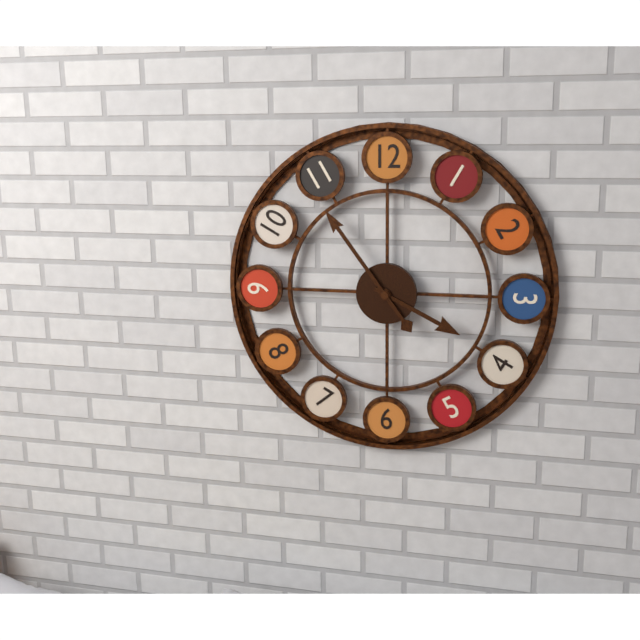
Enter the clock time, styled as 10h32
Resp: 3h54
